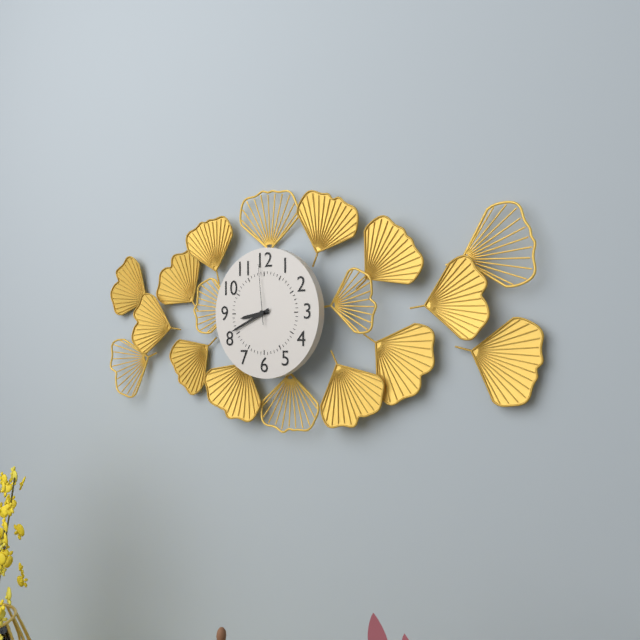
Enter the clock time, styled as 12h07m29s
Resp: 8h41m59s
